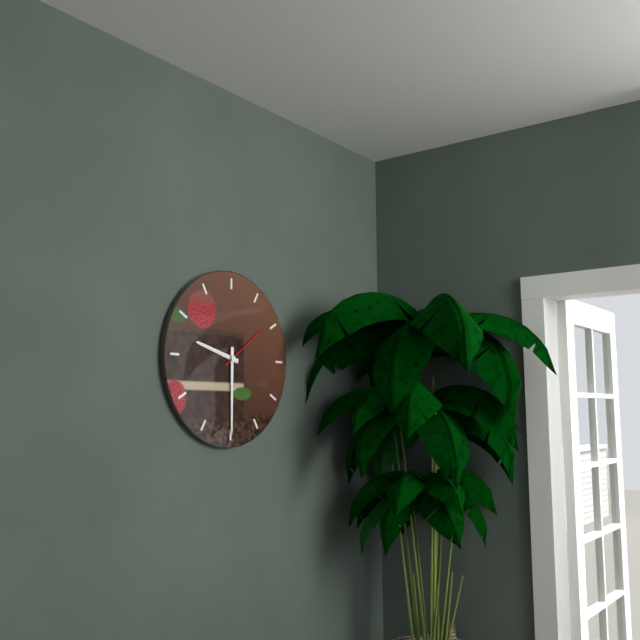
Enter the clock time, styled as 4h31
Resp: 9h30
